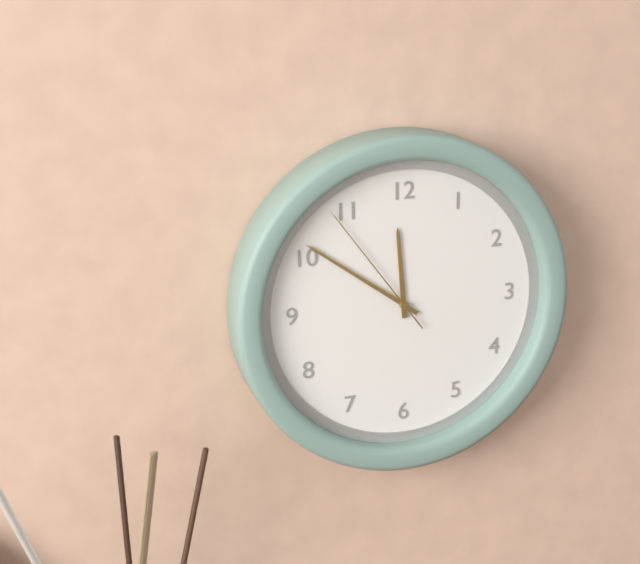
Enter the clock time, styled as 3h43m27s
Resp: 11h51m54s
